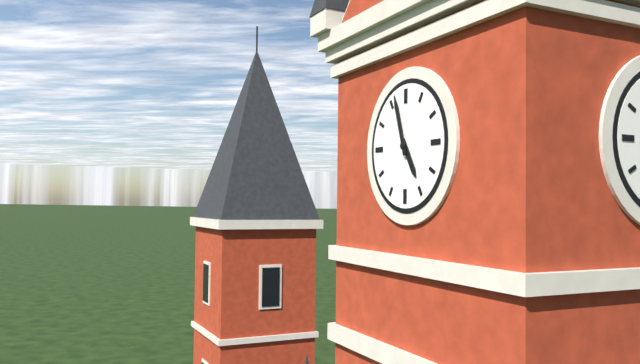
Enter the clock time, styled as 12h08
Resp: 4h57
